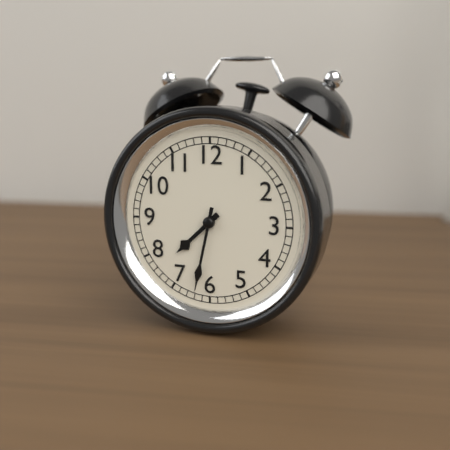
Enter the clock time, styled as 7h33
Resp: 7h32
